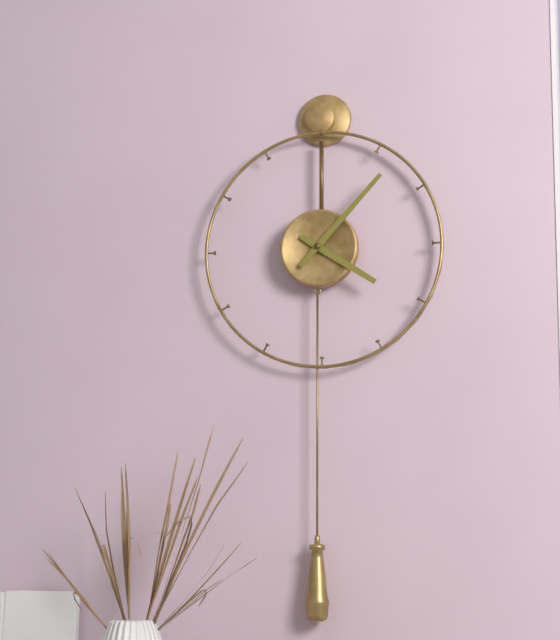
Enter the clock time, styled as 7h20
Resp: 4h07
